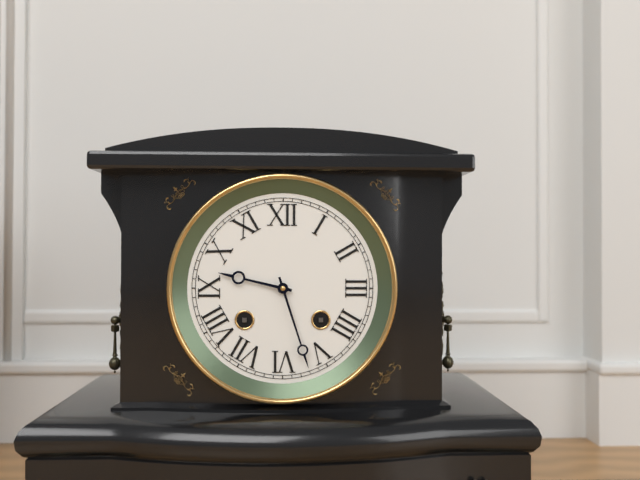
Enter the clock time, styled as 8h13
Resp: 9h27
